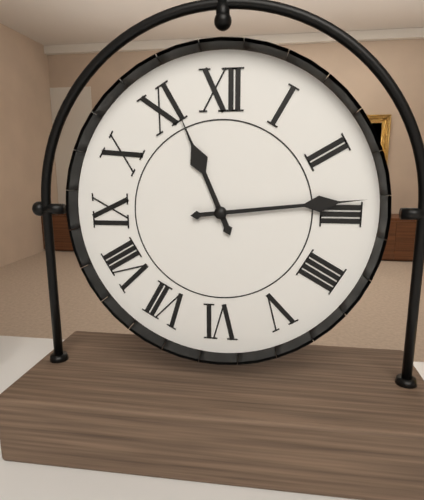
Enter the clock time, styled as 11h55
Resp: 11h14
